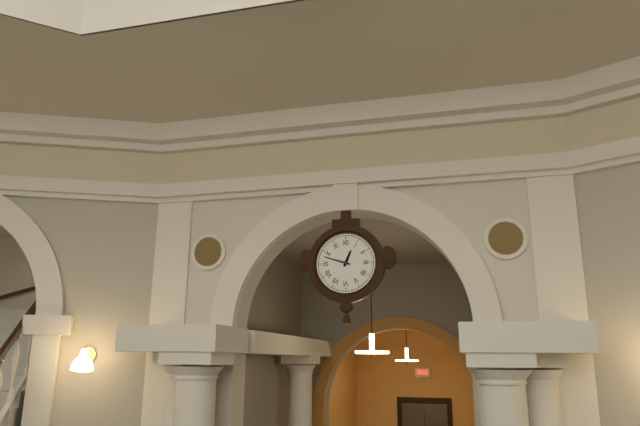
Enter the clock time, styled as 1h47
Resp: 12h48
